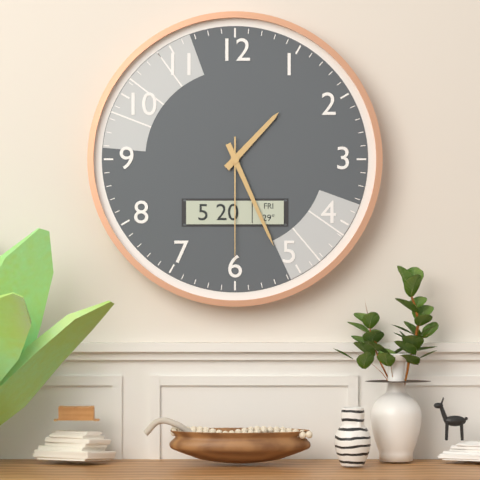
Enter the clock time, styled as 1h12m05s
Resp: 1h26m30s
